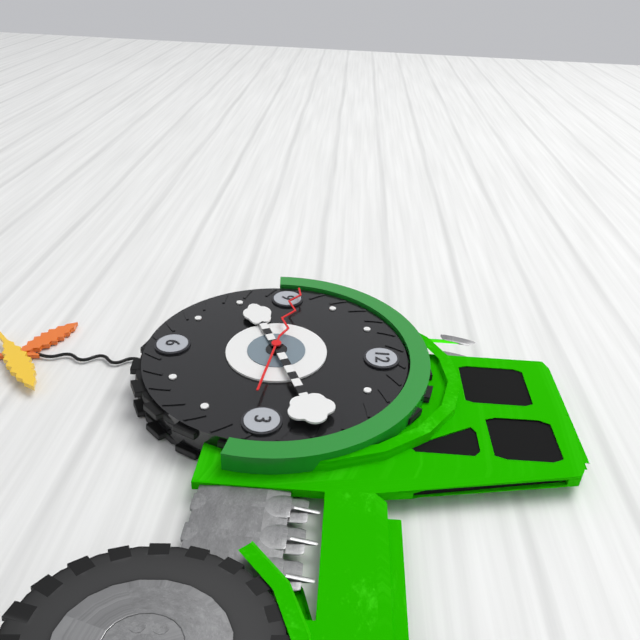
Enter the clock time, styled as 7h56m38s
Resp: 8h11m46s
